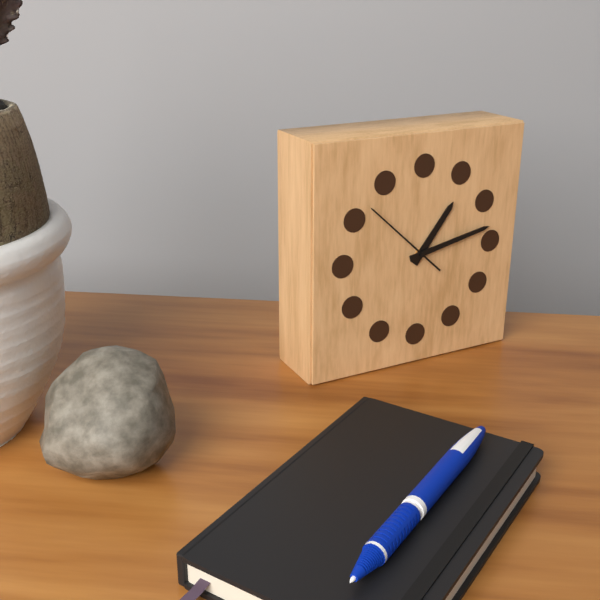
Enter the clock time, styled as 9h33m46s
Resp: 1h13m52s
